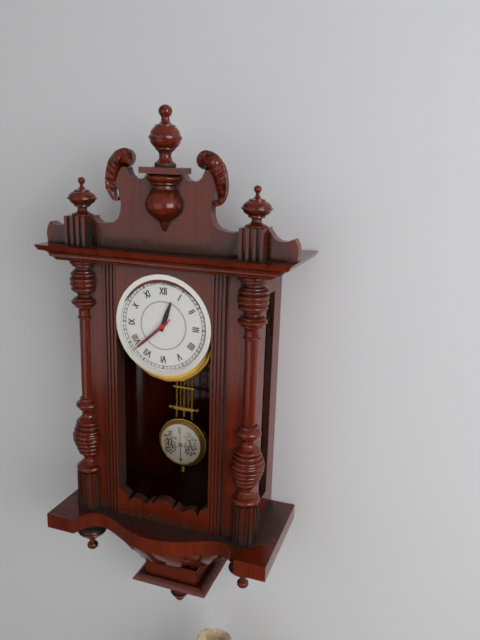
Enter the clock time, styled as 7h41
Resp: 12h38
